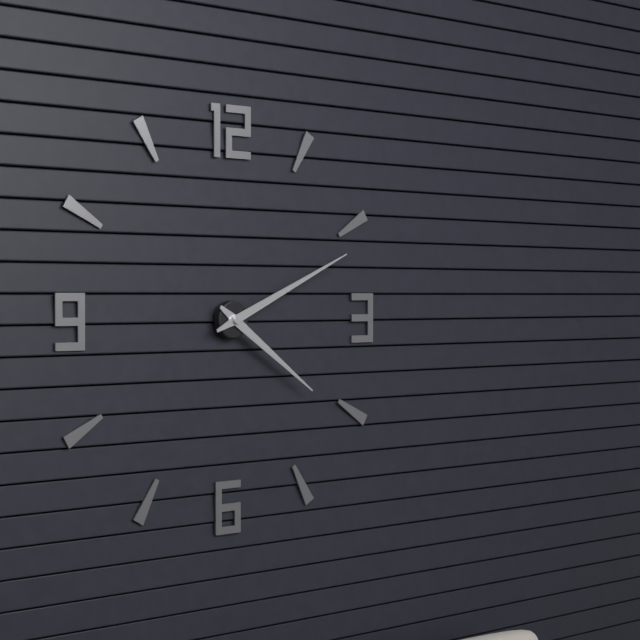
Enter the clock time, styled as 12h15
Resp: 4h11
